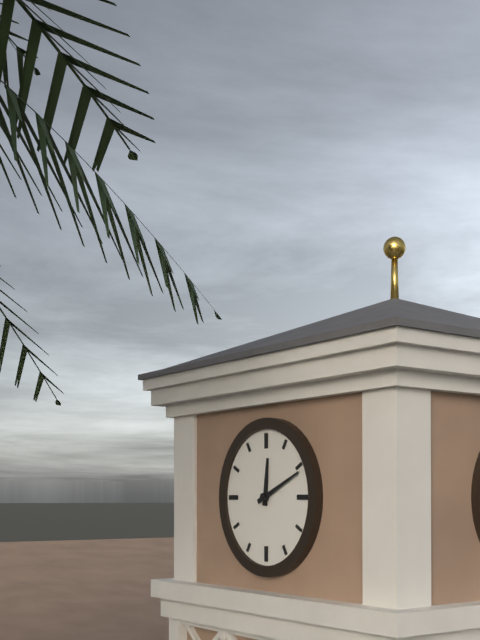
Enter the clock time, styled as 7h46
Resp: 12h11
